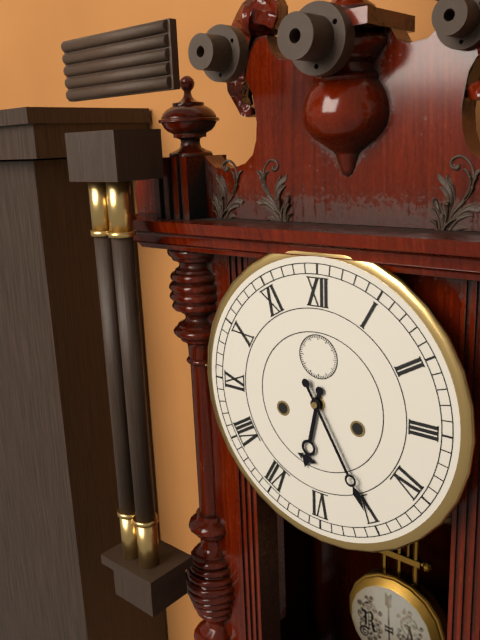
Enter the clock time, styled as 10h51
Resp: 6h25
